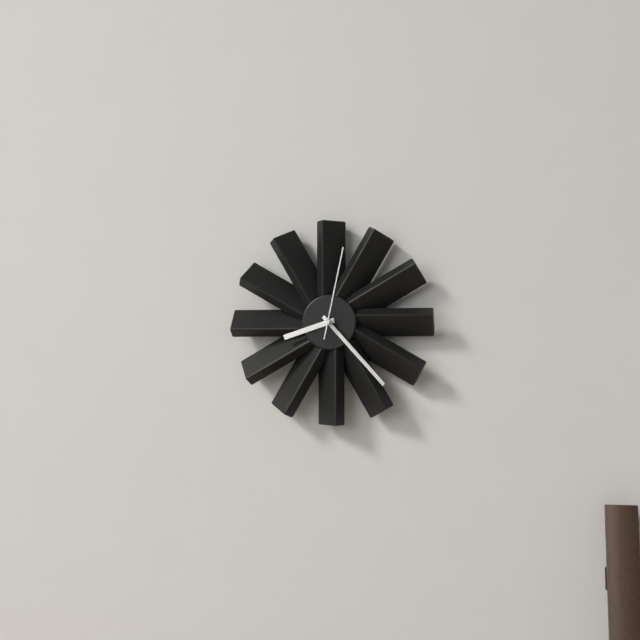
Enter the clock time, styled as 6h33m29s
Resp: 8h23m02s
